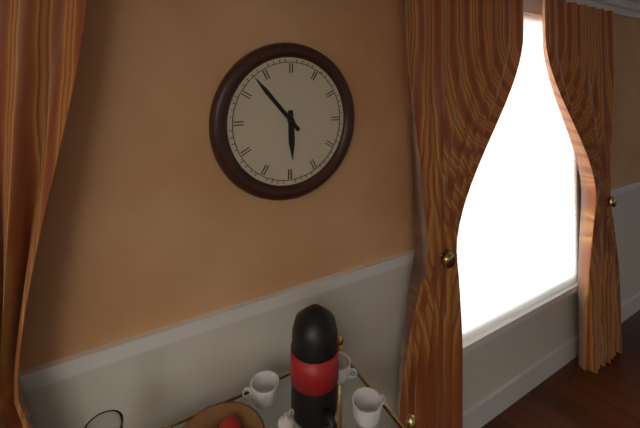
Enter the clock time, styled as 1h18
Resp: 5h53
